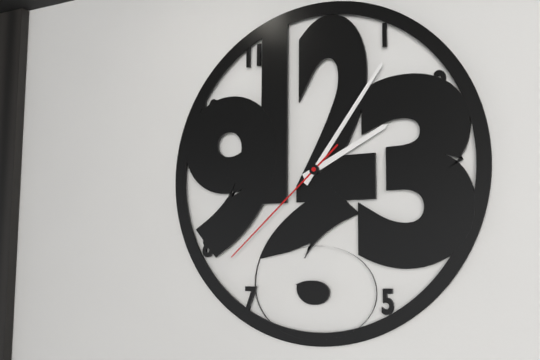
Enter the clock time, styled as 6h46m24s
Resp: 2h06m38s
